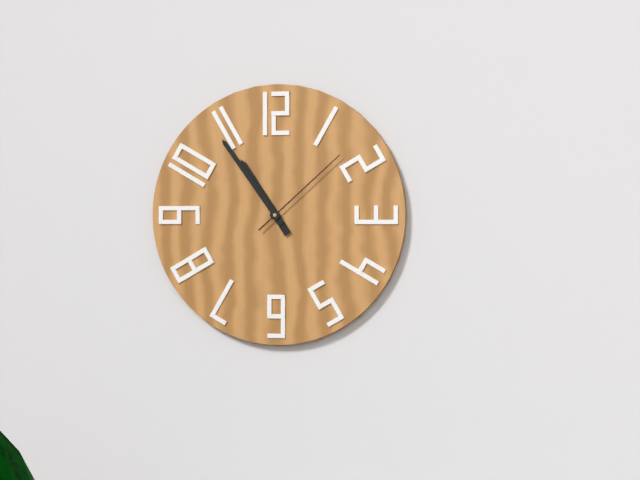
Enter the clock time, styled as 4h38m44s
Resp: 10h54m08s
